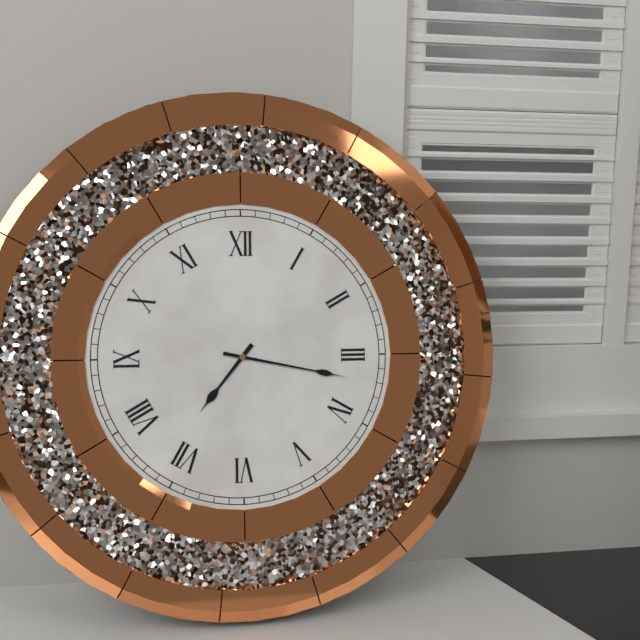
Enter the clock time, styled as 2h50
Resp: 7h17
